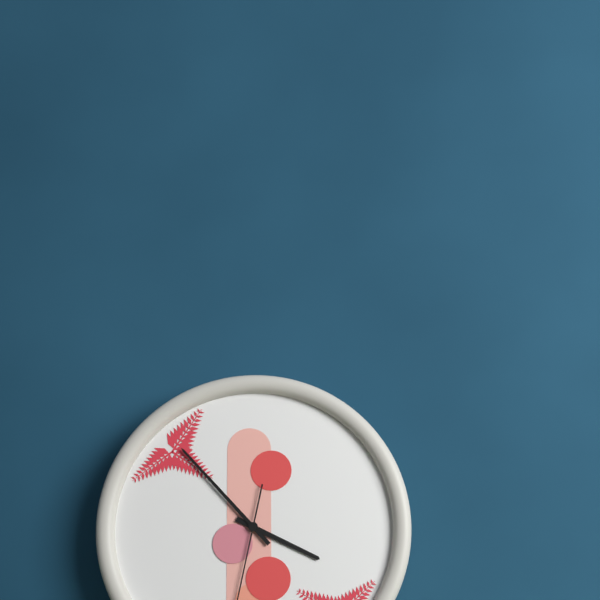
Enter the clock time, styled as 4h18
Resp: 3h53
